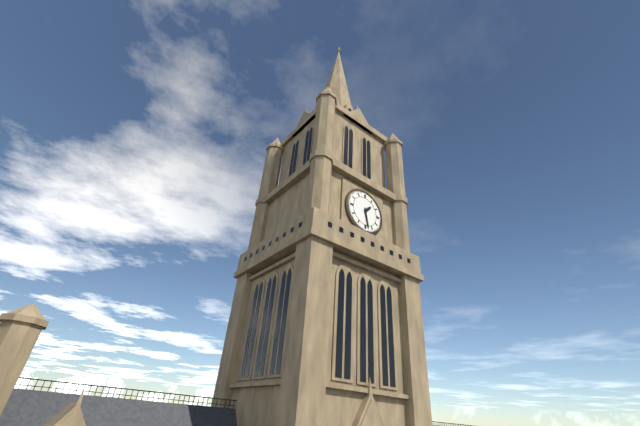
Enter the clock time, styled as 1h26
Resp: 1h28
